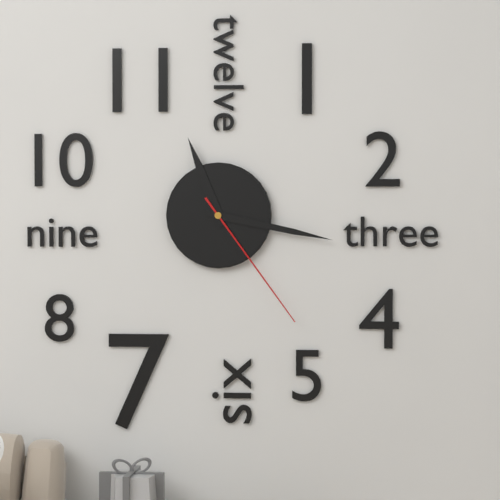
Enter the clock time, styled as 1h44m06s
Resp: 11h17m24s
